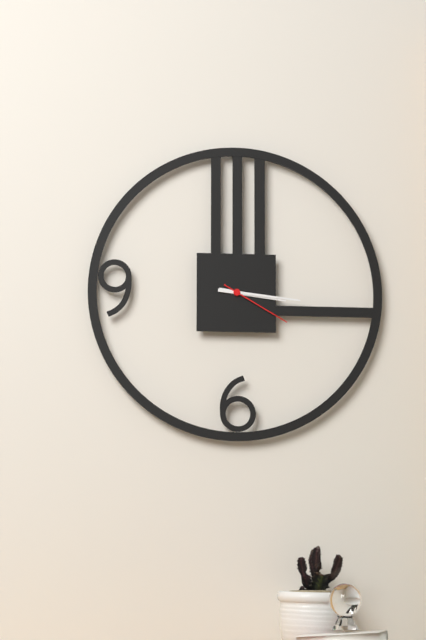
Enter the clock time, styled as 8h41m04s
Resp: 3h16m20s
